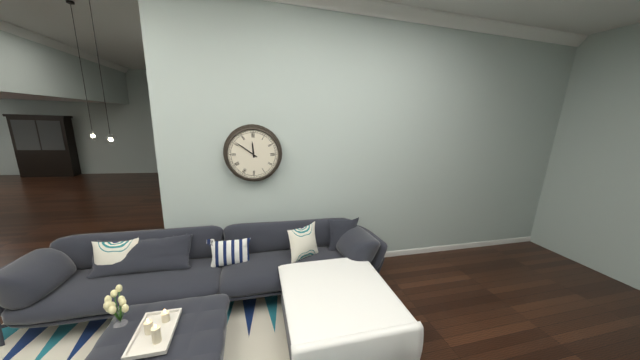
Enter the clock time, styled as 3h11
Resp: 11h51
